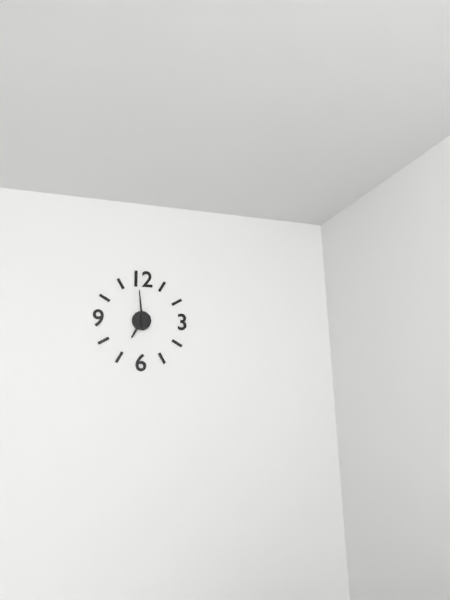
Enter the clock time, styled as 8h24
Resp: 6h59
